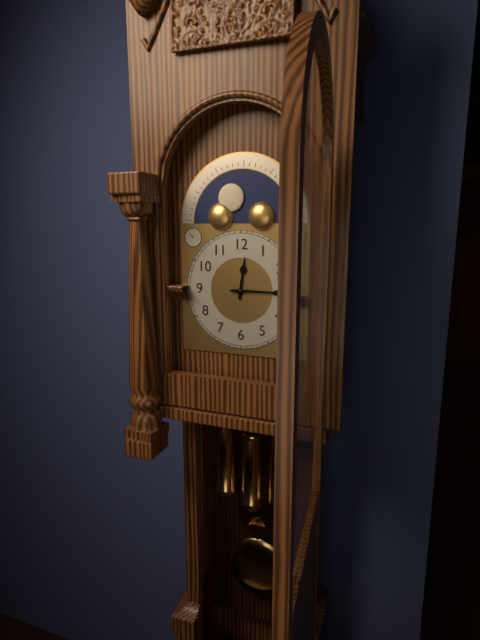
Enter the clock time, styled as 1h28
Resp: 12h15
